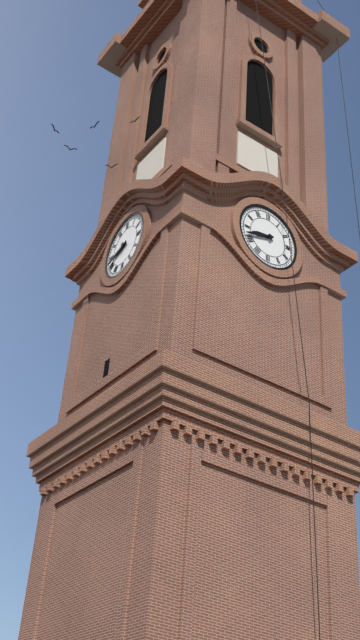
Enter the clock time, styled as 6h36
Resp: 8h42
